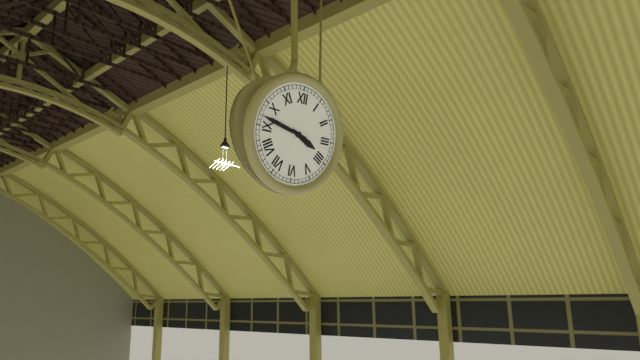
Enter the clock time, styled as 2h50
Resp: 3h47
